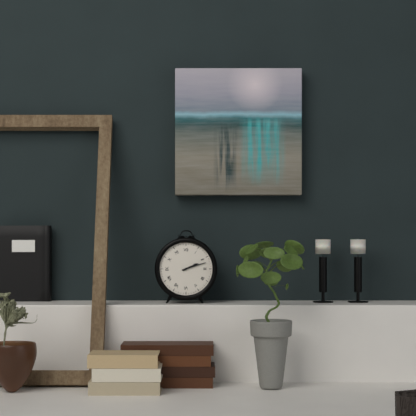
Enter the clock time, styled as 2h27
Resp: 2h12
